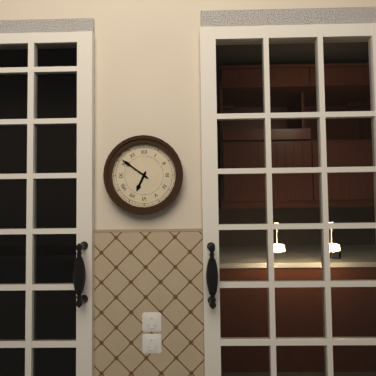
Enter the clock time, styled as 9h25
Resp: 6h51
